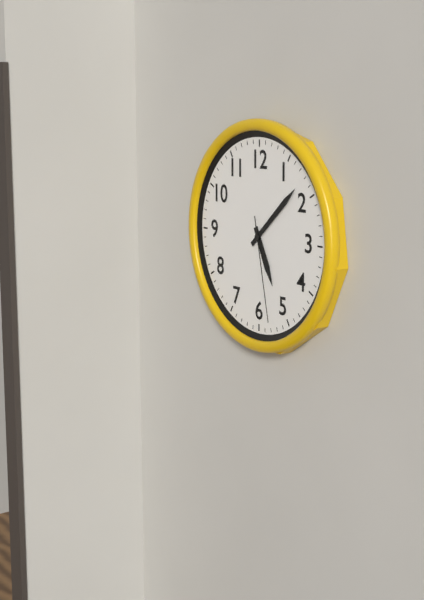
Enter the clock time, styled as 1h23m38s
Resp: 5h08m28s
